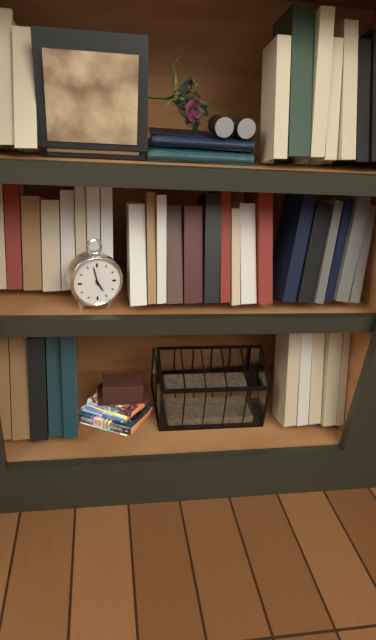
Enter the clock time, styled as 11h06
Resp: 4h58
